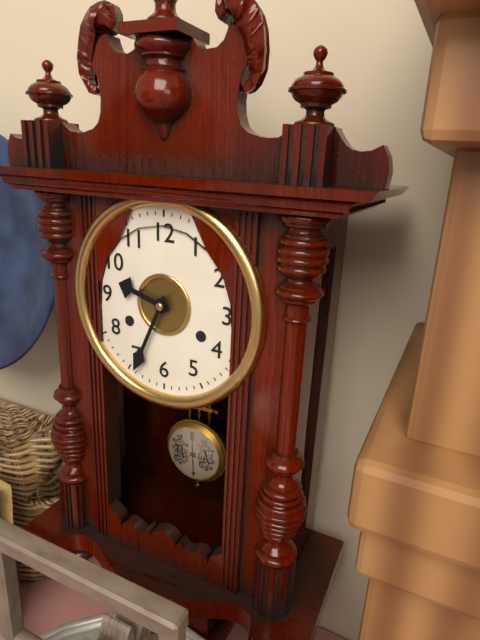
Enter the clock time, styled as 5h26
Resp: 9h34
